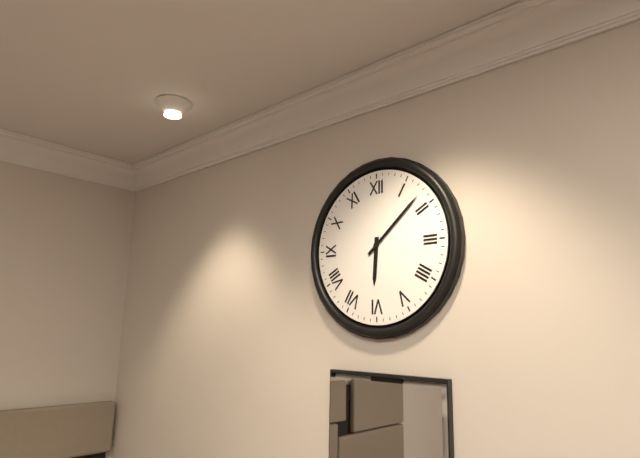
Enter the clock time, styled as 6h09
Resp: 6h08
